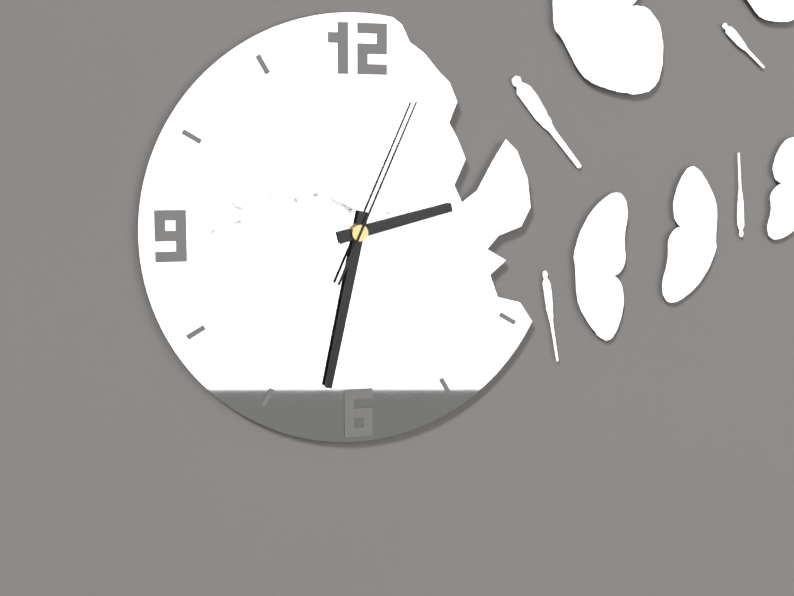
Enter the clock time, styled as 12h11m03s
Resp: 2h32m04s
